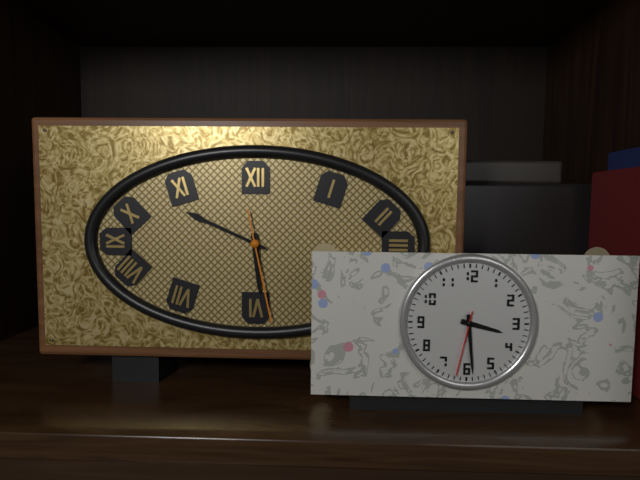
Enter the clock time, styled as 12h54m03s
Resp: 5h49m28s
